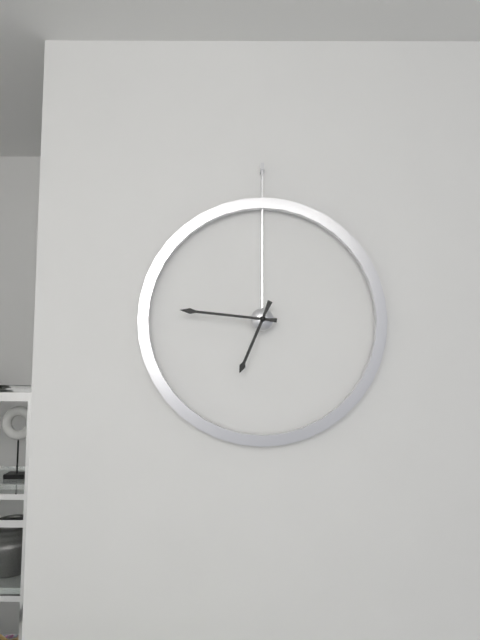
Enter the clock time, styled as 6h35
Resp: 6h46
